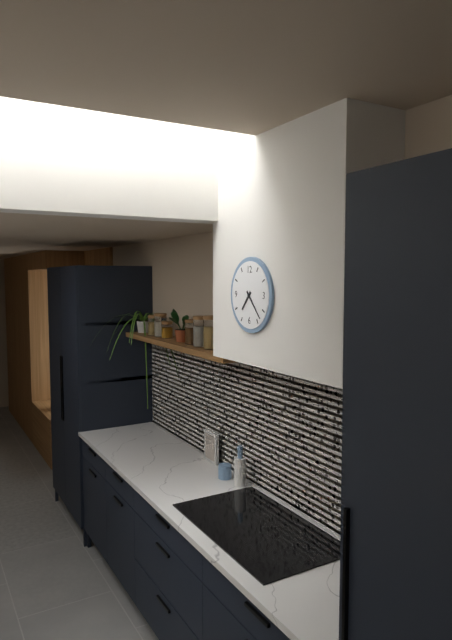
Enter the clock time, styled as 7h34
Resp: 7h23
